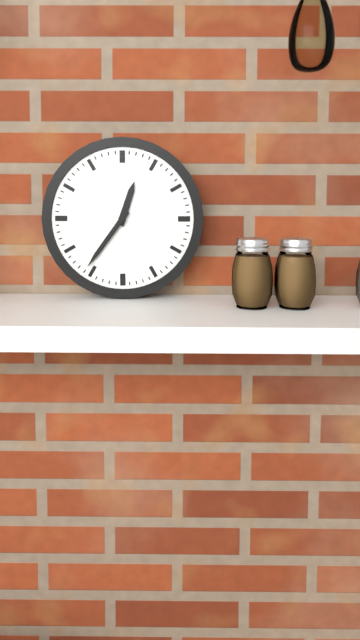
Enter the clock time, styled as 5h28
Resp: 12h36
